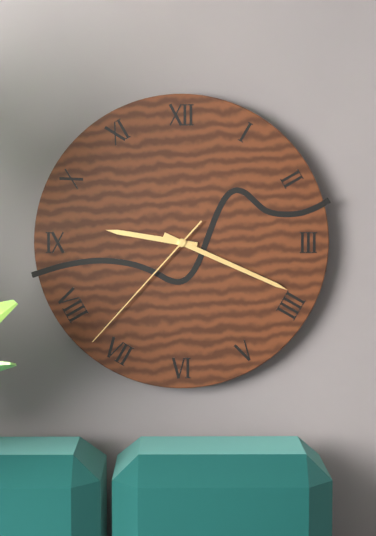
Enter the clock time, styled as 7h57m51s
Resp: 9h19m37s
